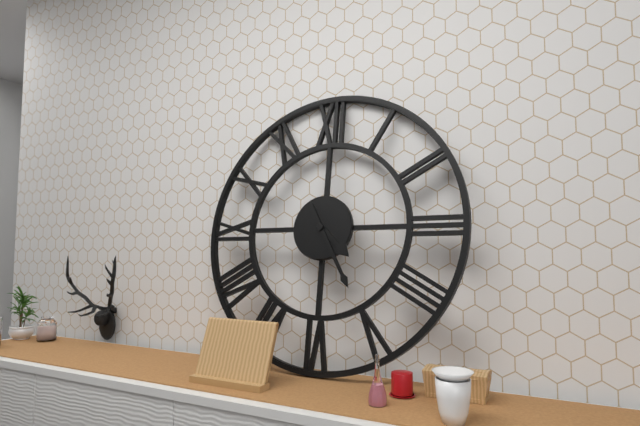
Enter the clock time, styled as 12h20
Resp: 4h25
